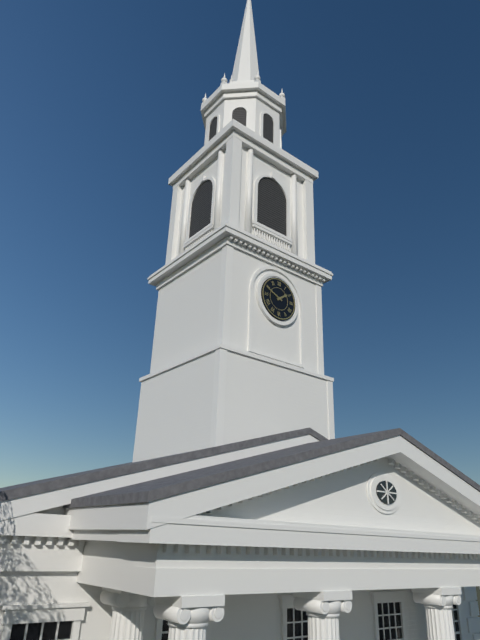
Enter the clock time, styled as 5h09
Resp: 1h49
